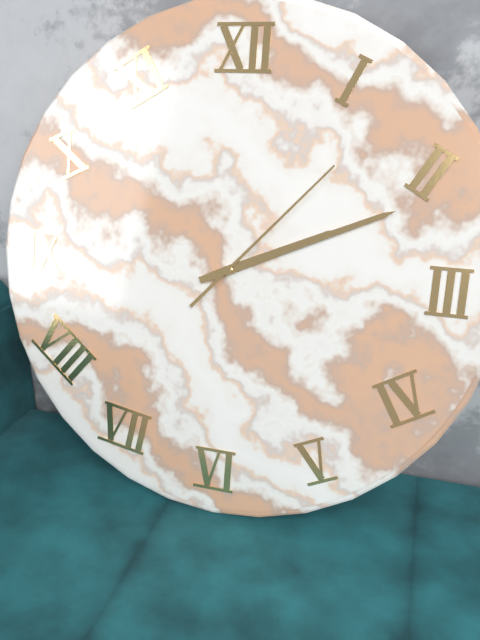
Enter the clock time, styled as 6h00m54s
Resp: 2h11m07s
